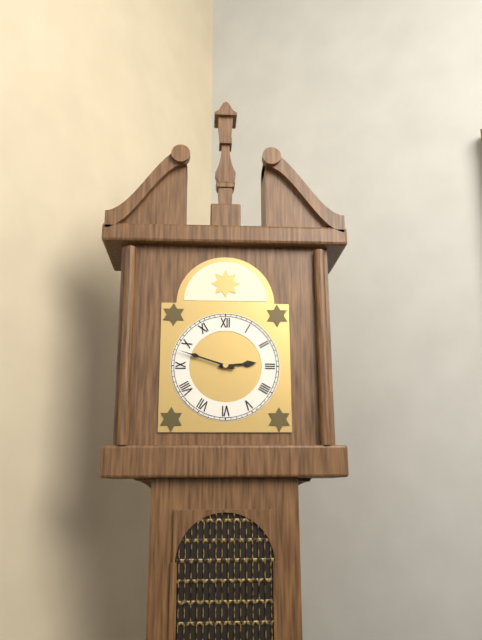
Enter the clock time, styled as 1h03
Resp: 2h48
